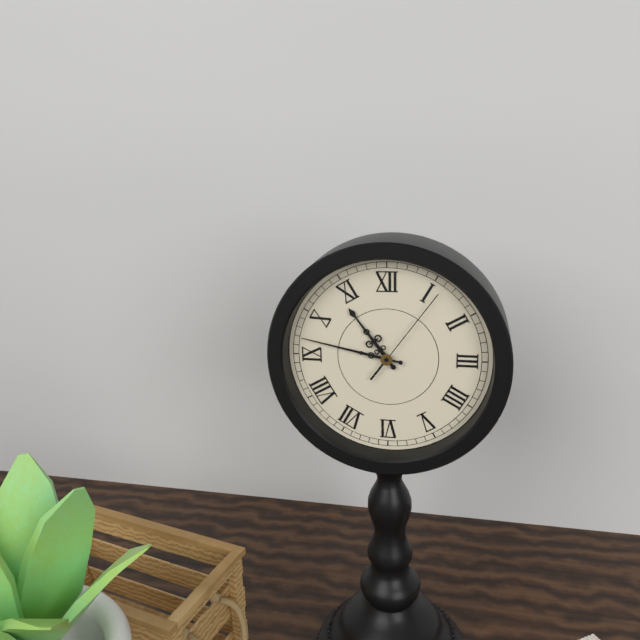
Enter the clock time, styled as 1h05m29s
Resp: 10h47m06s
